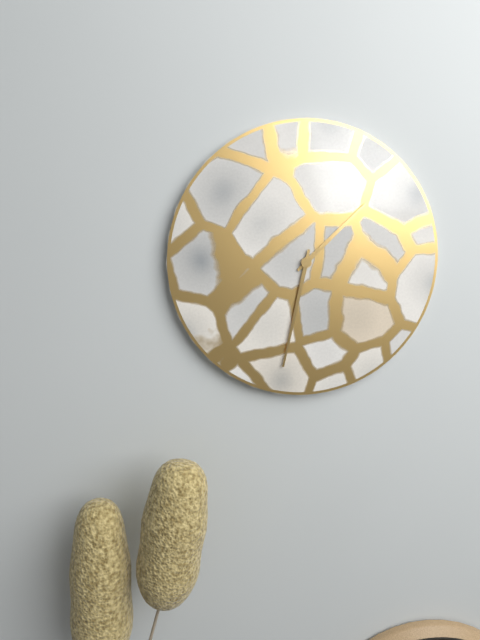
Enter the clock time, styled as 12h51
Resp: 1h32
